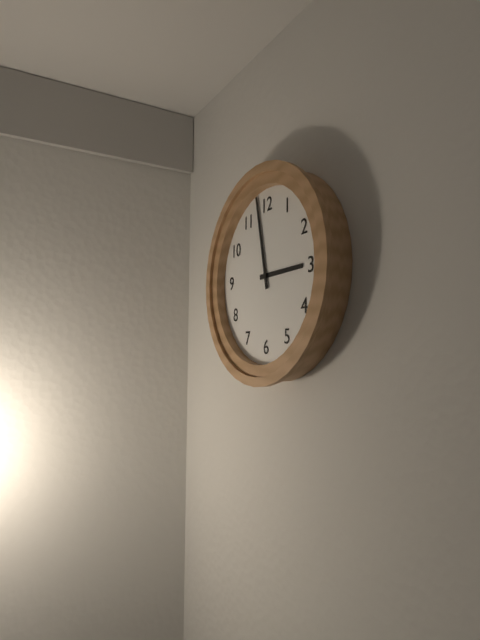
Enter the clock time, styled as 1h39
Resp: 2h58
